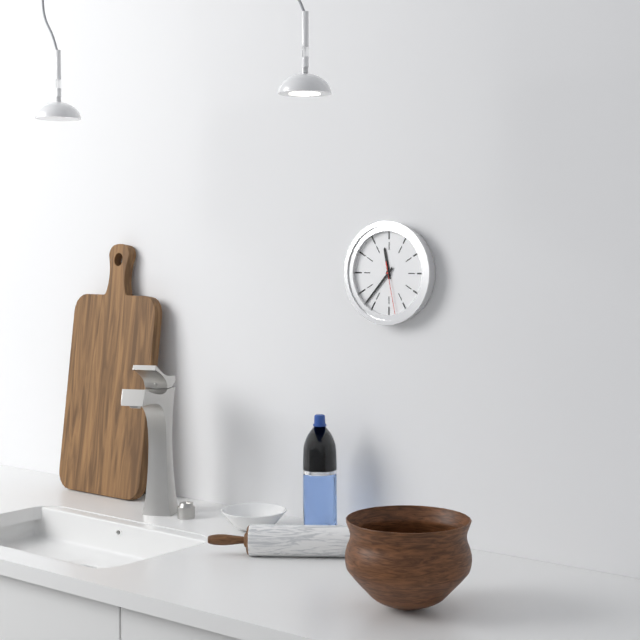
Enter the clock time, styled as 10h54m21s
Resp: 11h37m28s
